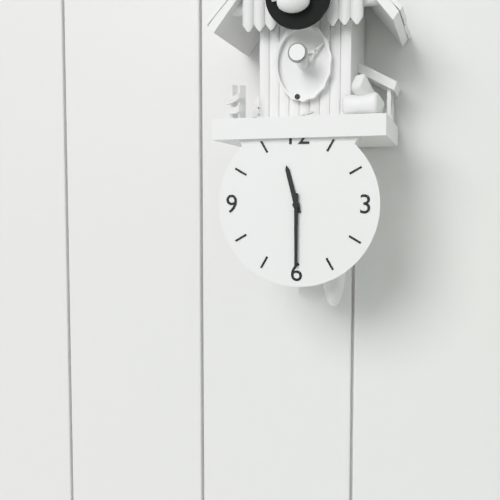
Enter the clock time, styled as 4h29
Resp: 11h30
